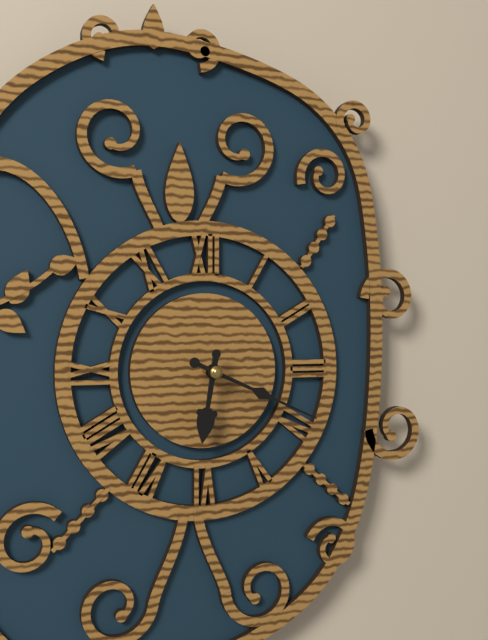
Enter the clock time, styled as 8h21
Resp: 6h19
